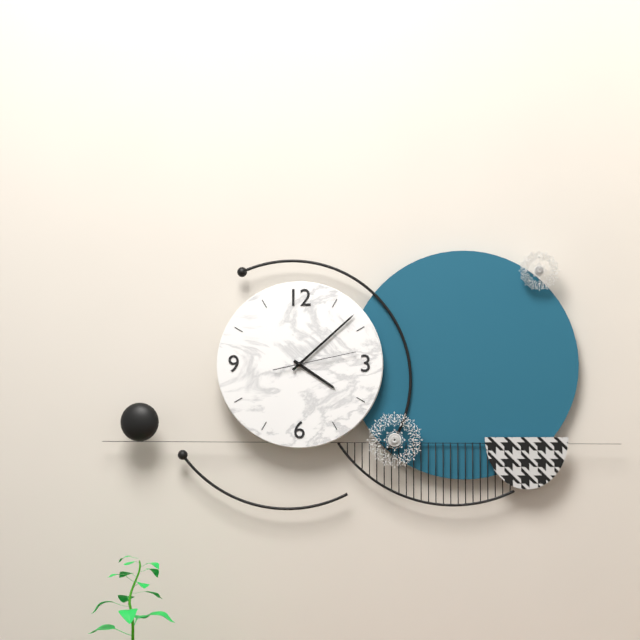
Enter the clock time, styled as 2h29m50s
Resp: 4h08m13s
